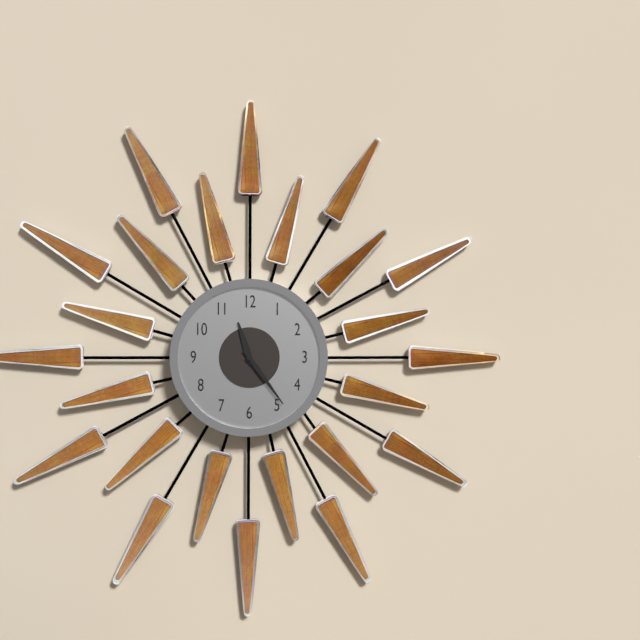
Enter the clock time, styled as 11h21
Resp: 11h24
